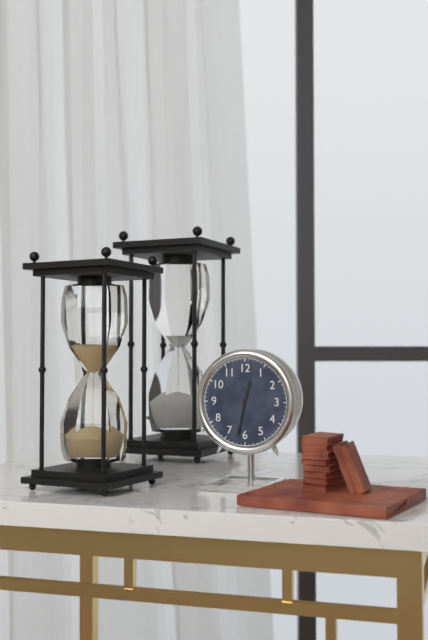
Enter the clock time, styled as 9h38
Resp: 12h32
